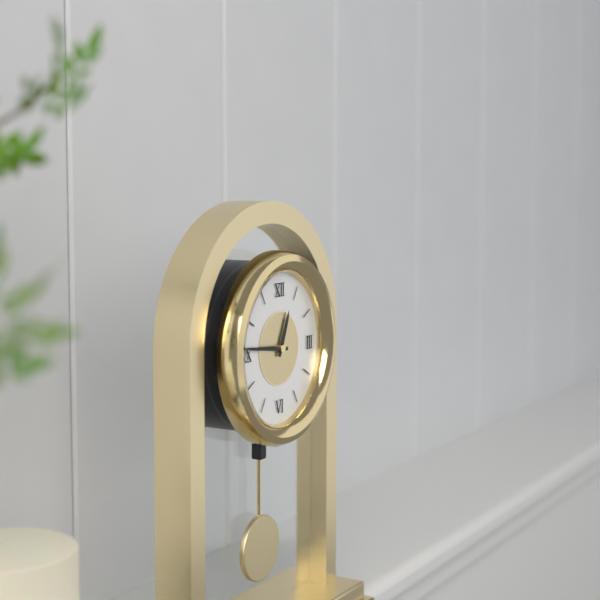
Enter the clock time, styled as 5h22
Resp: 12h46
